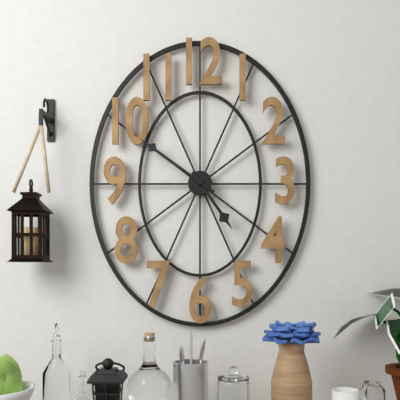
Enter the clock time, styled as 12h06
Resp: 4h51
